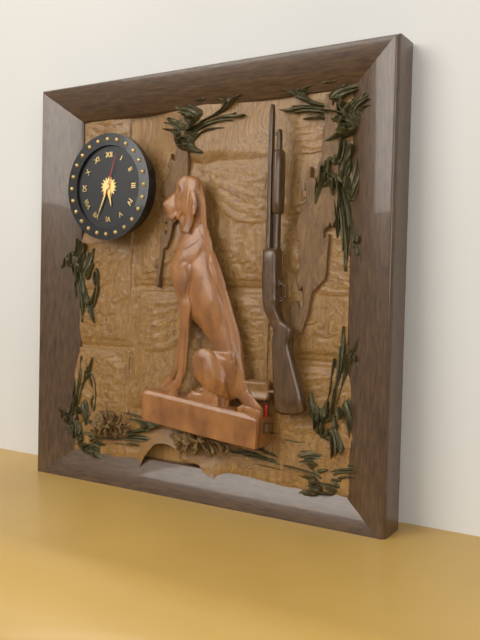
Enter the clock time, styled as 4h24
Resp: 5h34
